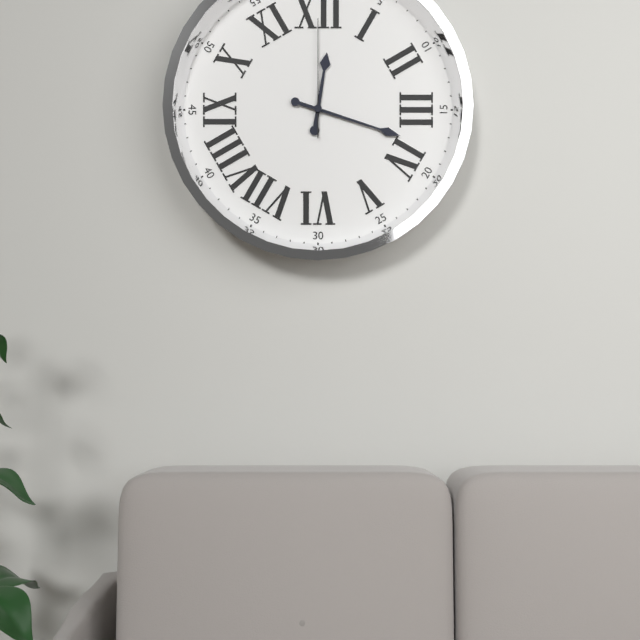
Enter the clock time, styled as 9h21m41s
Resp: 12h18m00s
